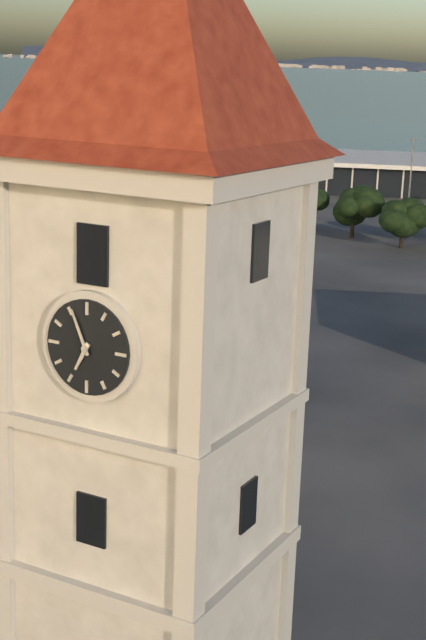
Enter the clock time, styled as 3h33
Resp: 6h56
